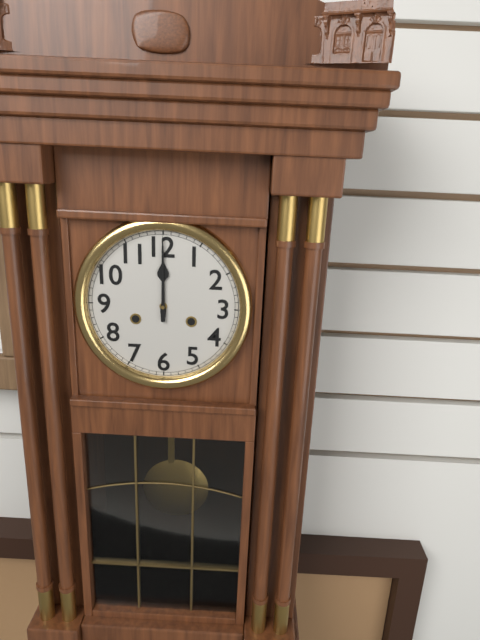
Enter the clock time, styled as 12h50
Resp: 12h00
